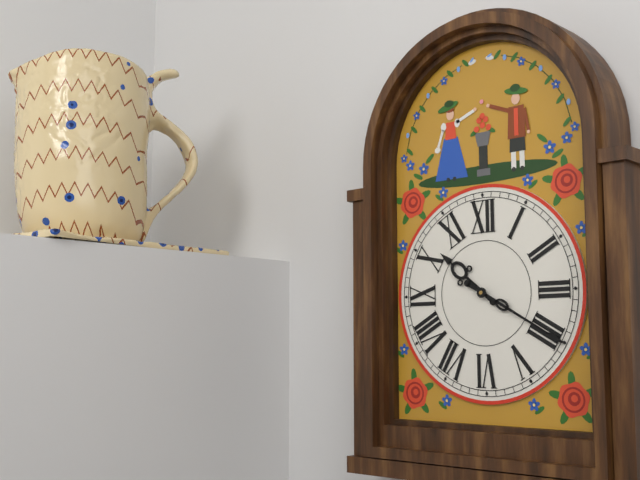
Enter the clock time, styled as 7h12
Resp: 10h20
